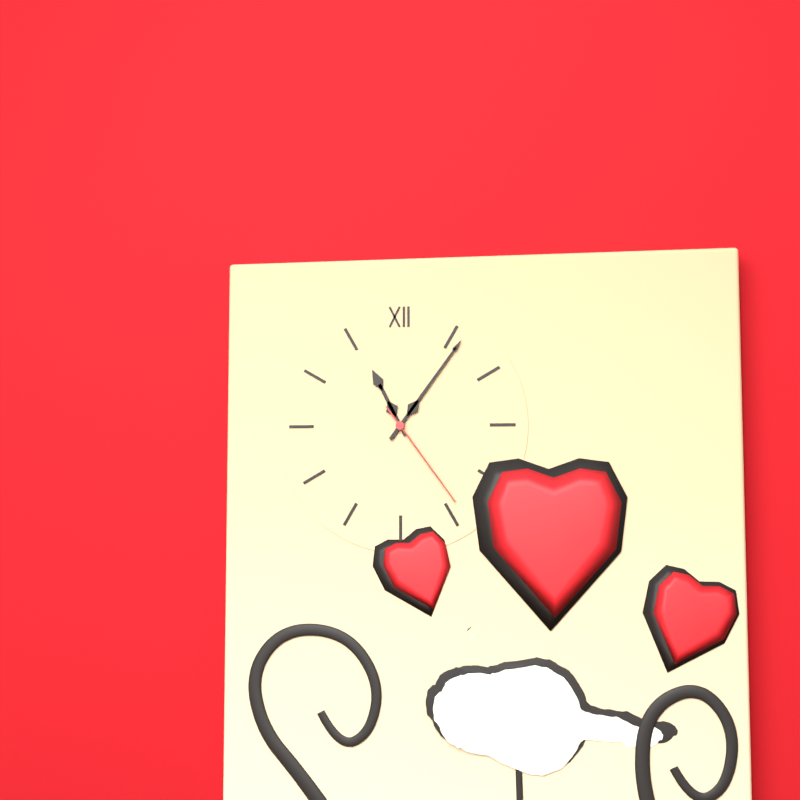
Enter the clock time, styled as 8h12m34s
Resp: 11h06m24s
